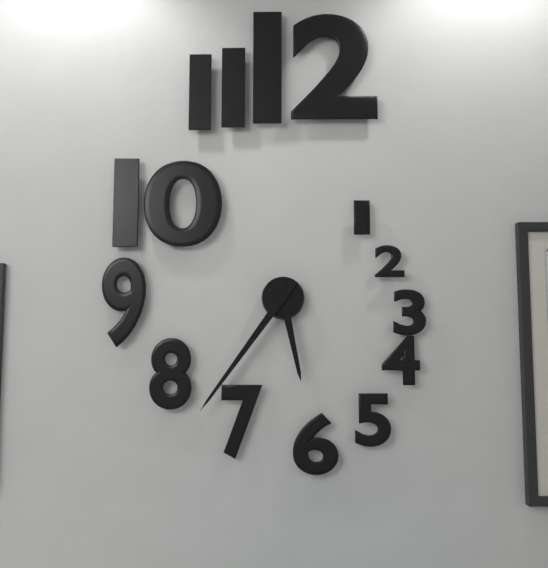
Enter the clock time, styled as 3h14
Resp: 5h36
